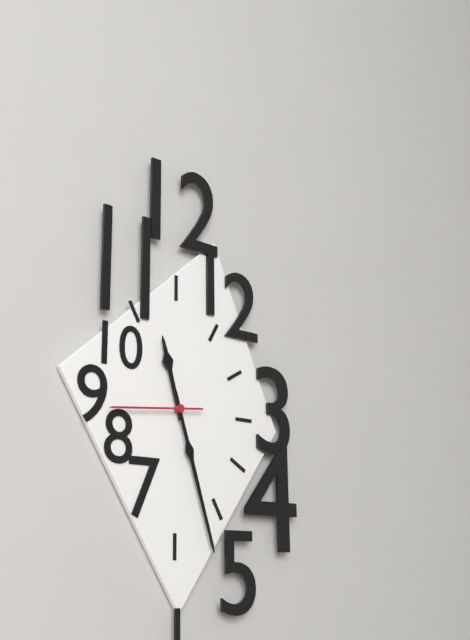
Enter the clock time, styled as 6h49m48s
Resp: 11h27m44s
